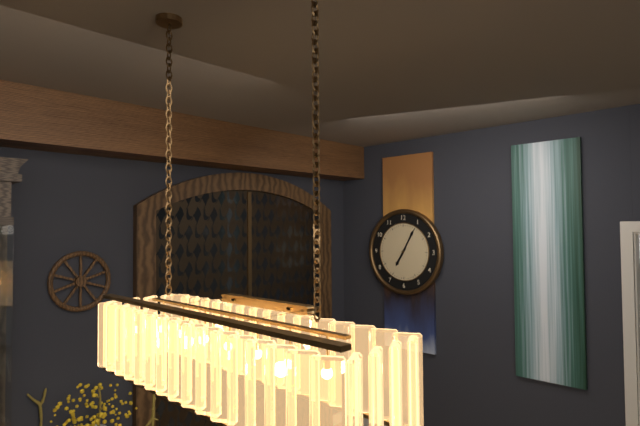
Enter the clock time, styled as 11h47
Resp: 7h05
